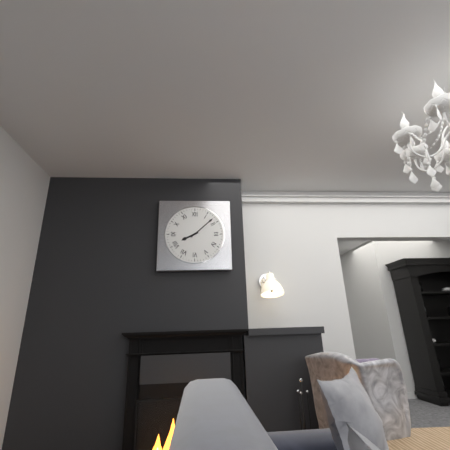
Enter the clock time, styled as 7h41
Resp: 8h08
